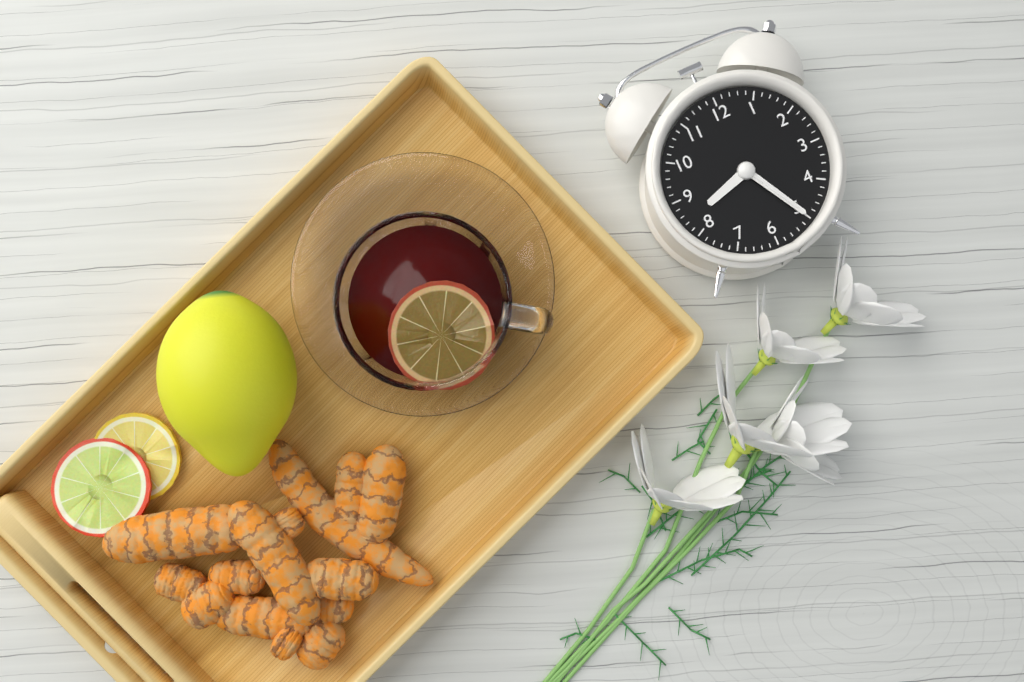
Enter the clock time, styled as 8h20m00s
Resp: 8h25m25s
